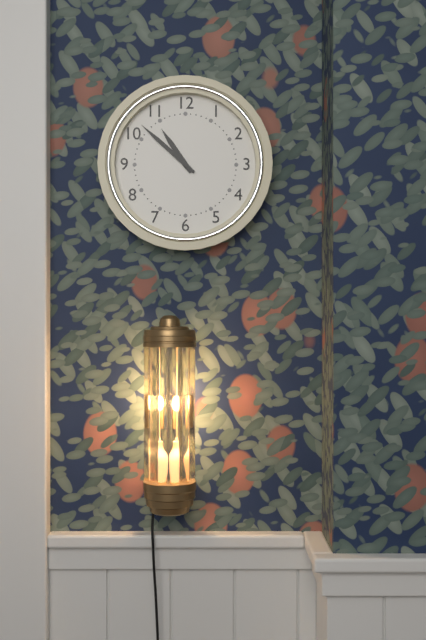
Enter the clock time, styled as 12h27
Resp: 10h52
